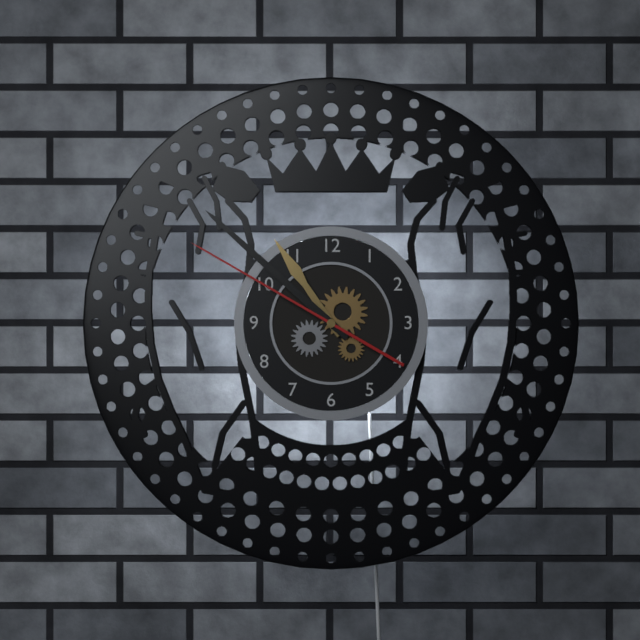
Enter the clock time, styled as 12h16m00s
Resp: 10h52m50s
